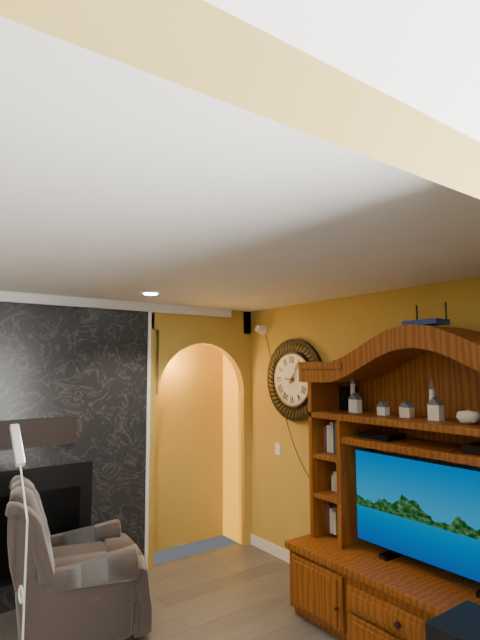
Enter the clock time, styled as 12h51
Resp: 9h05
